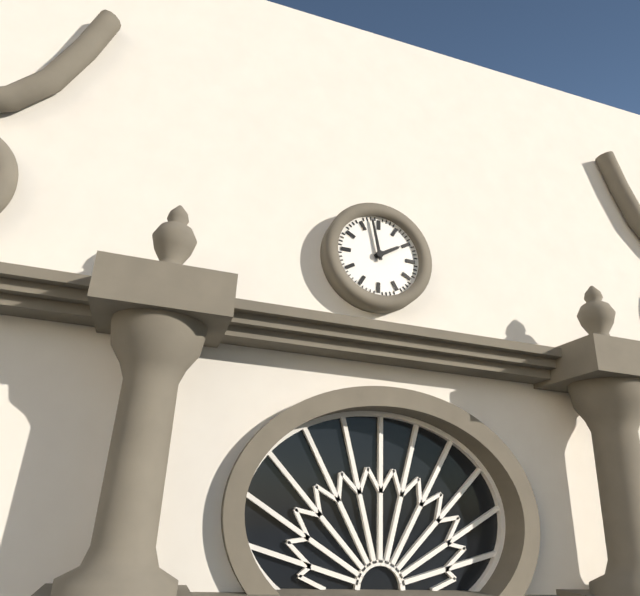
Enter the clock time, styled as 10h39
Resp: 1h58
